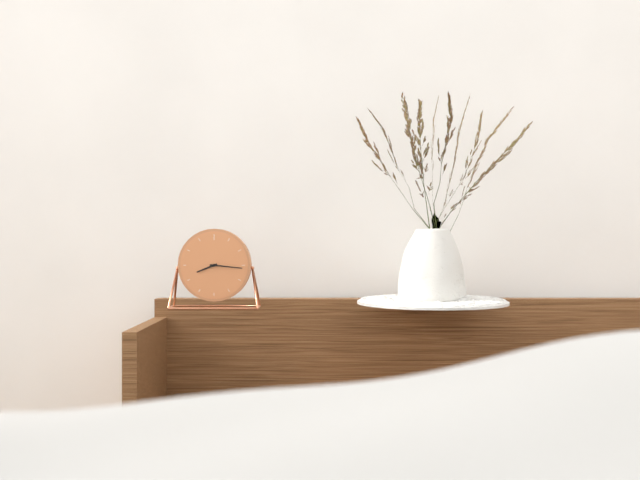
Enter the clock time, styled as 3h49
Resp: 8h16
